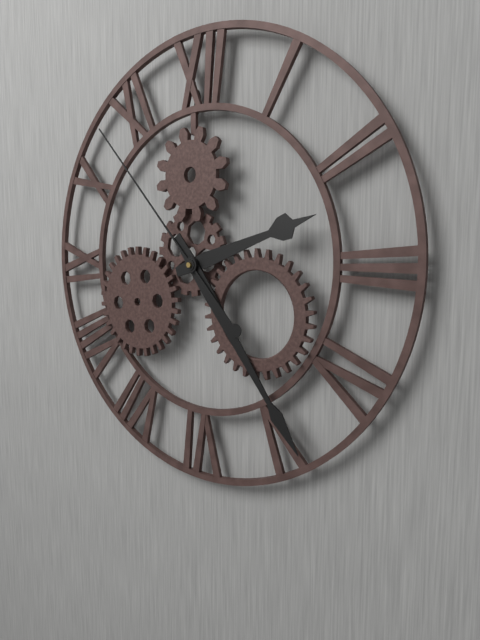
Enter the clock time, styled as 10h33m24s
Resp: 2h24m53s
